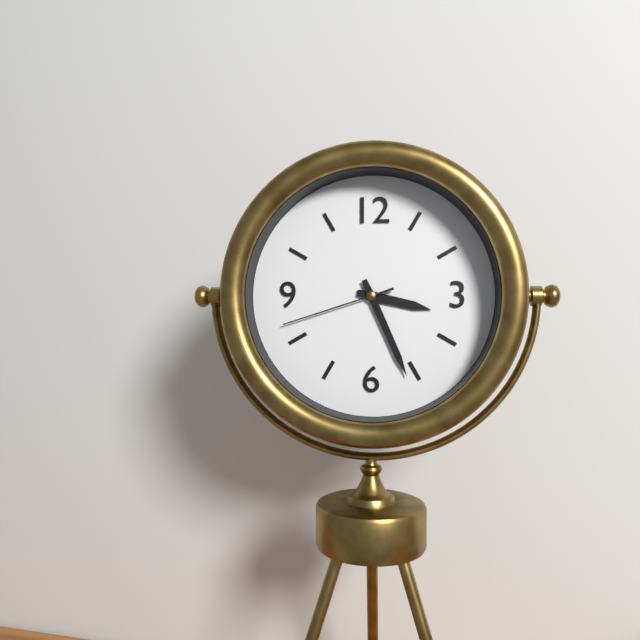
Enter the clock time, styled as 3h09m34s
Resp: 3h26m42s
